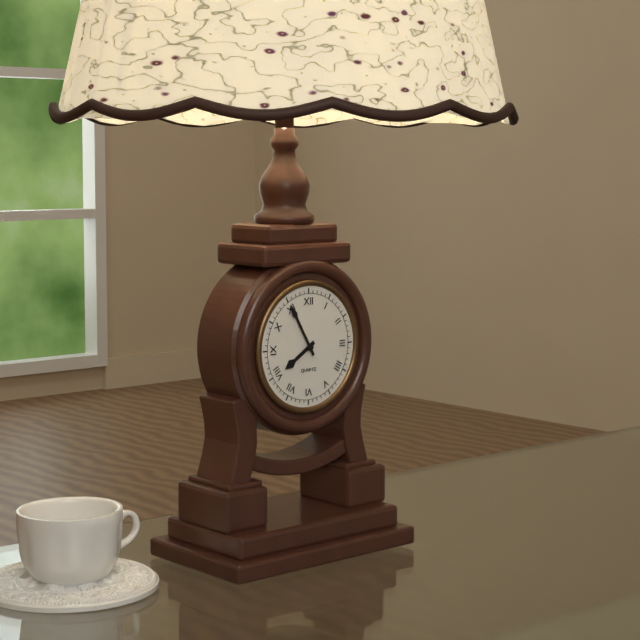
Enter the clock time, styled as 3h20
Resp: 7h55
